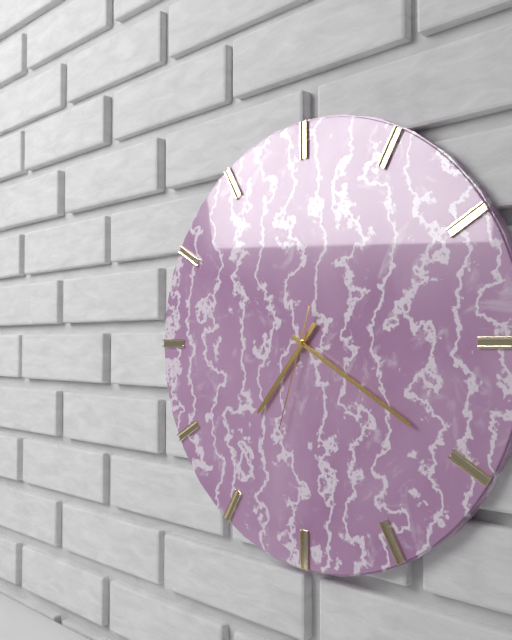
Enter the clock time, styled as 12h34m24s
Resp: 7h20m33s
